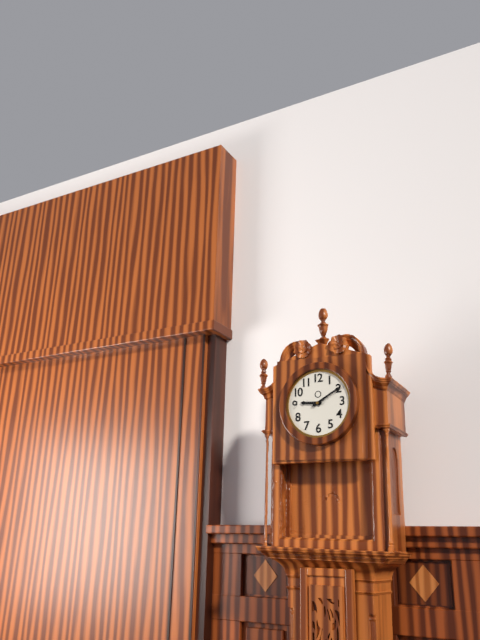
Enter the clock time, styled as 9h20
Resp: 9h10
